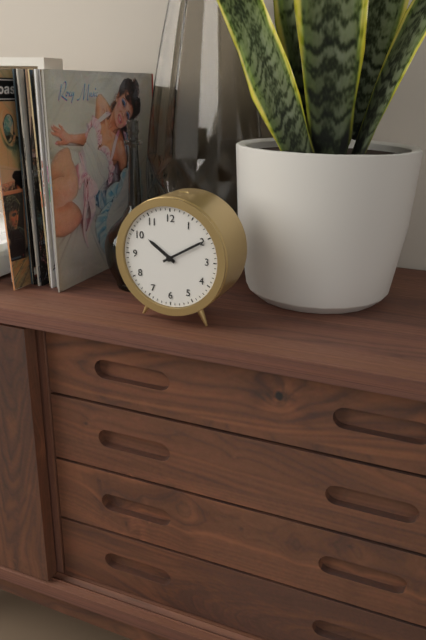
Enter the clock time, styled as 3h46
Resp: 10h10
